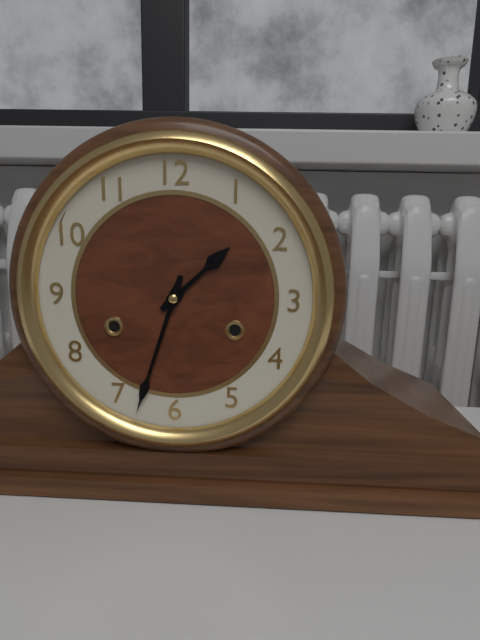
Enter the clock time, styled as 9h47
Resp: 1h33
